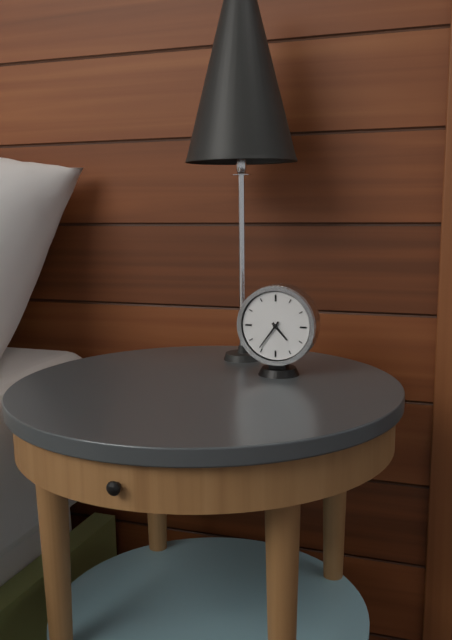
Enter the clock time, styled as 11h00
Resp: 4h36
